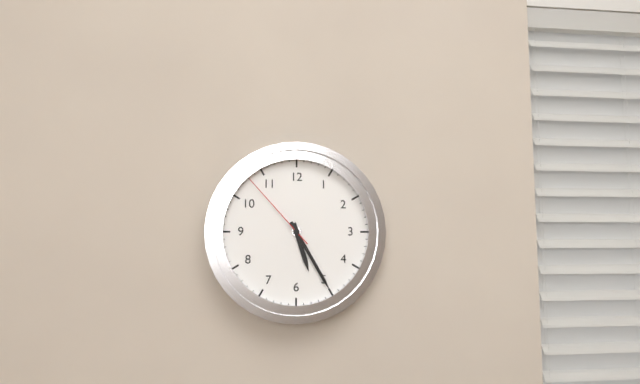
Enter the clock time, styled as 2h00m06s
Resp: 5h25m53s
